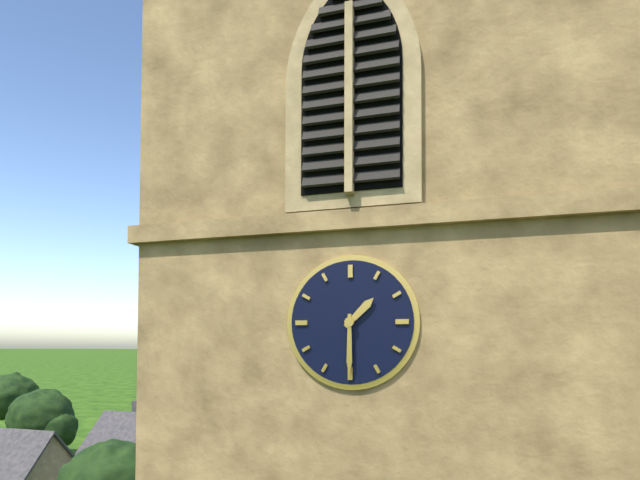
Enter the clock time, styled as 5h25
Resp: 1h30
